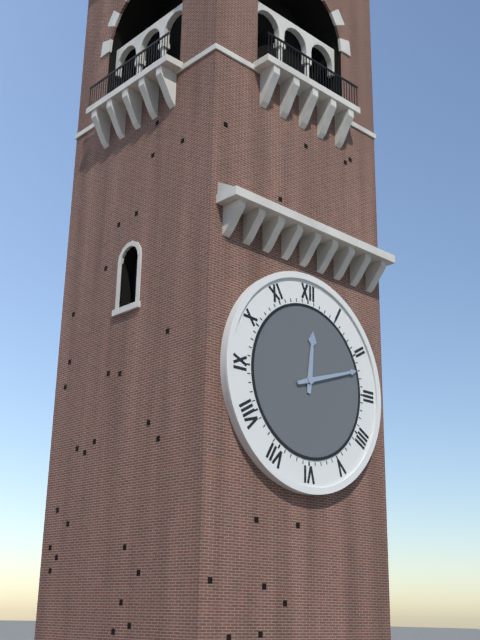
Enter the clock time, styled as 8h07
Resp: 12h12
